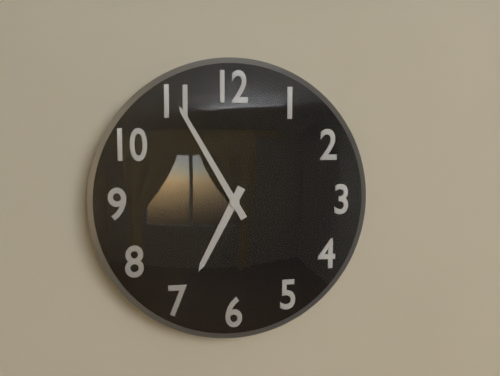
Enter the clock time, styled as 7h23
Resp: 6h55
